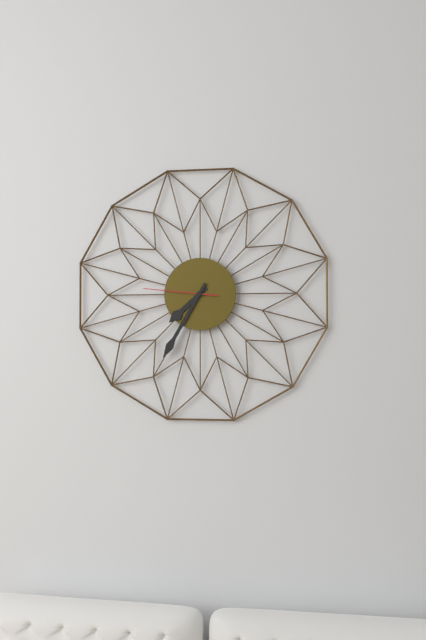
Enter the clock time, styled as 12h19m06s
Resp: 7h35m46s
